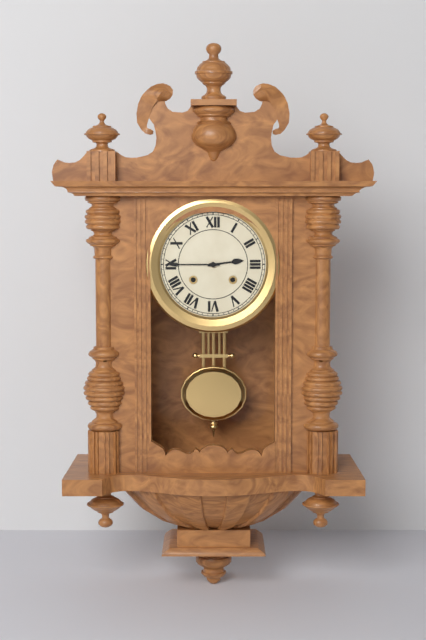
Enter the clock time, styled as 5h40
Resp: 2h45
